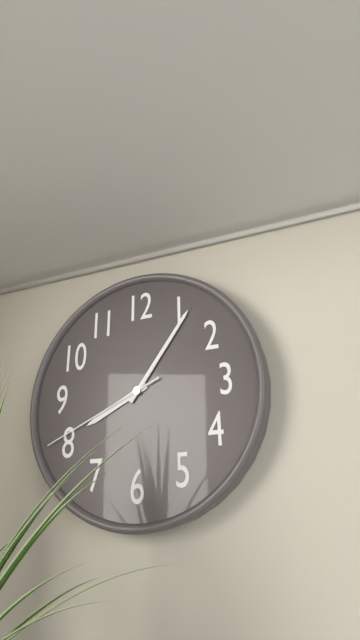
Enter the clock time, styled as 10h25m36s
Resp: 8h06m41s
